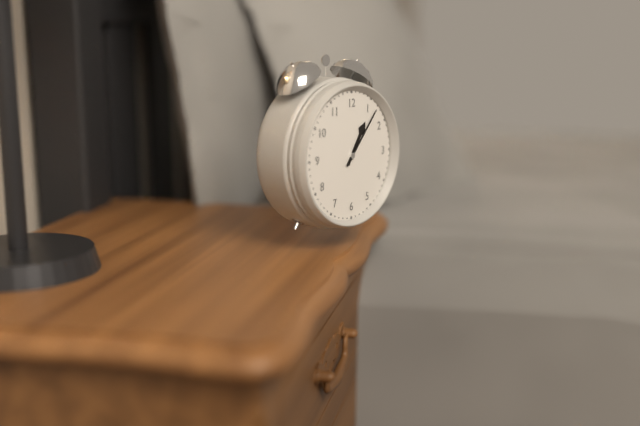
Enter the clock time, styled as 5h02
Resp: 1h07
